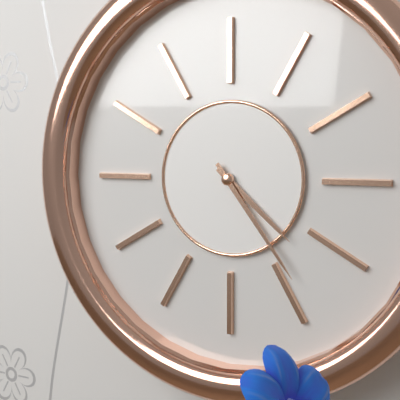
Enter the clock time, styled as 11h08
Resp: 4h24
